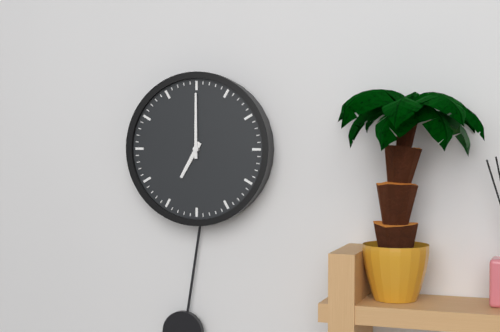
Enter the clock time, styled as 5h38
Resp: 7h00
